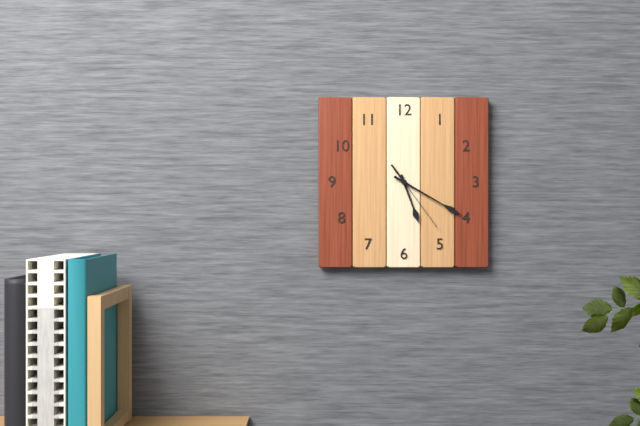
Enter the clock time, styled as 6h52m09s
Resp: 5h20m24s
